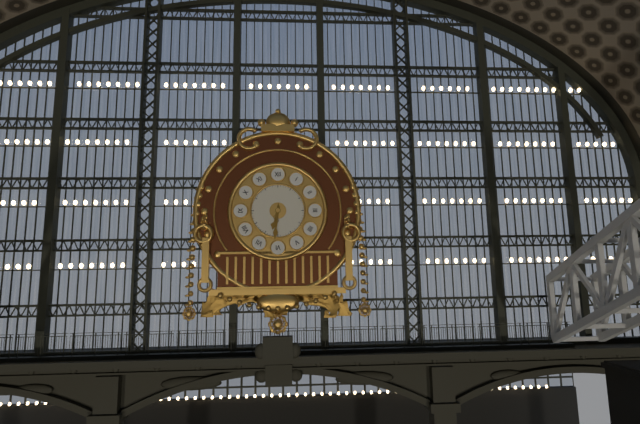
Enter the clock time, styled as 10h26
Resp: 6h31
